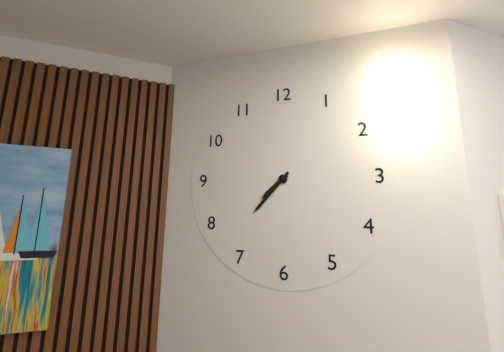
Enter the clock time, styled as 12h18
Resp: 7h37
